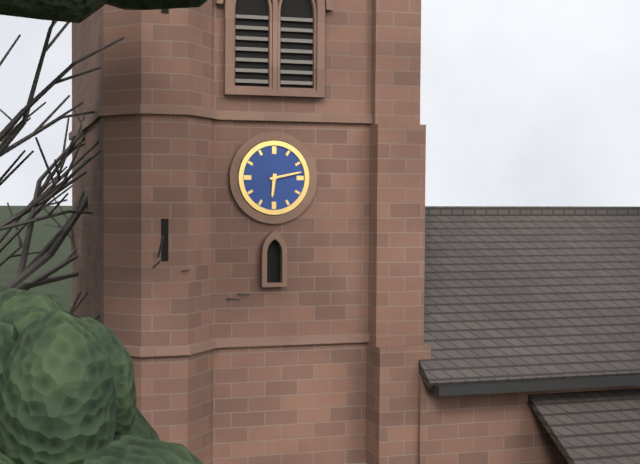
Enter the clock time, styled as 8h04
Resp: 6h13
